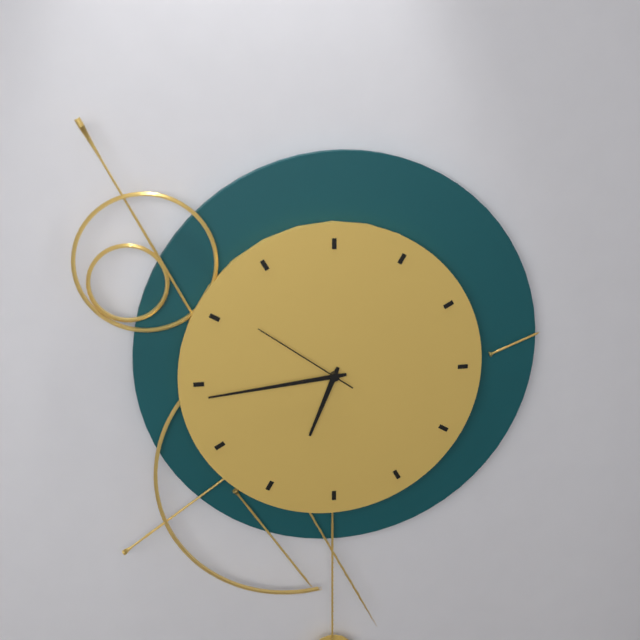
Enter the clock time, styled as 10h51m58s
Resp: 6h44m51s
